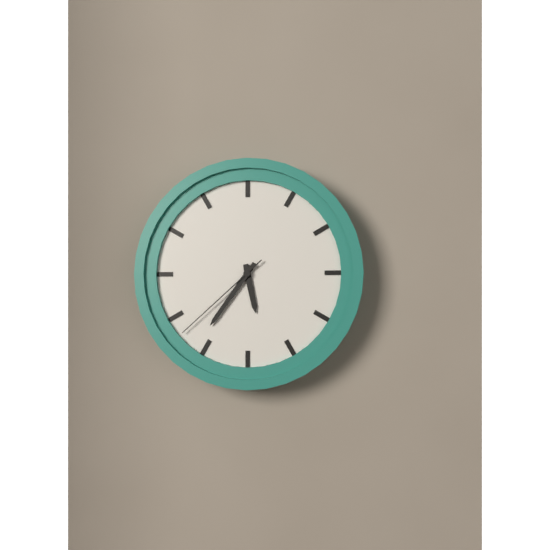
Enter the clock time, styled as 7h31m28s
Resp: 5h36m38s
